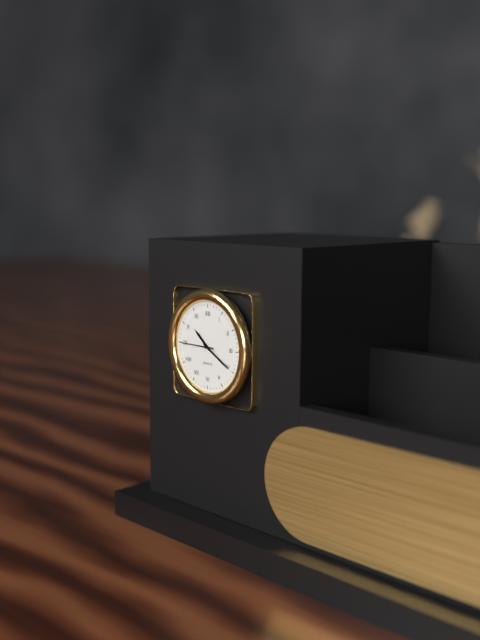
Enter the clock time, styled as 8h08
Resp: 10h20
